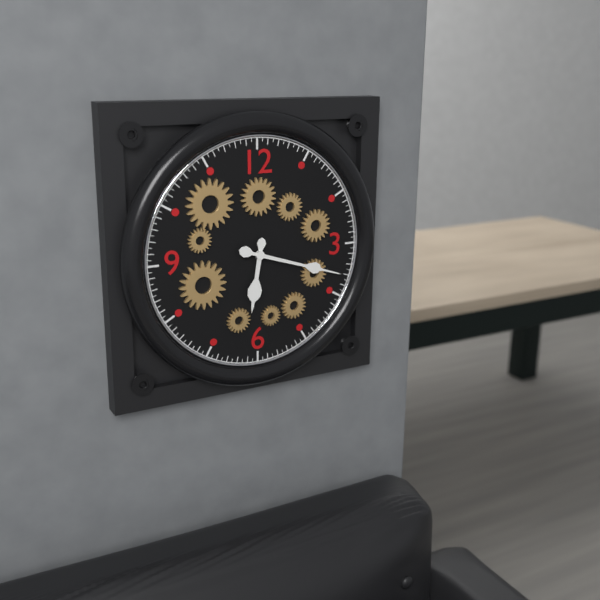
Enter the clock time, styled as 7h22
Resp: 6h18
